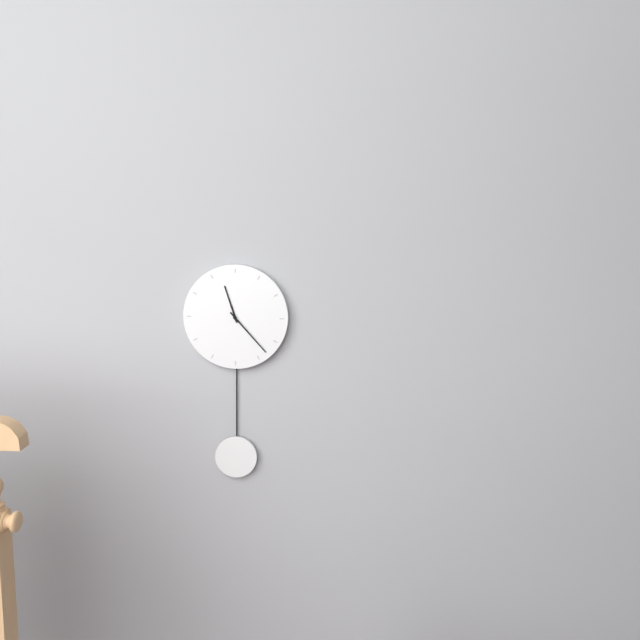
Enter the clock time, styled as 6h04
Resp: 11h23
